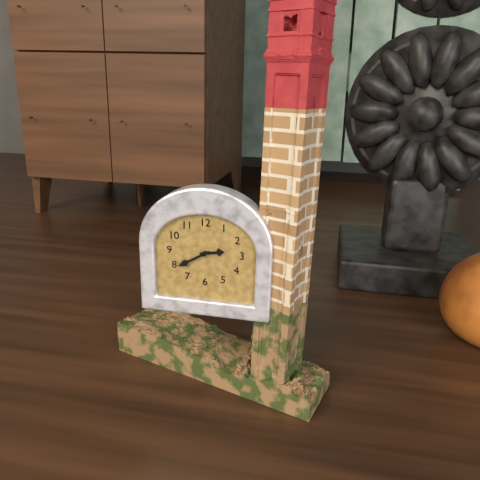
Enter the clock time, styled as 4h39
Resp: 2h40
